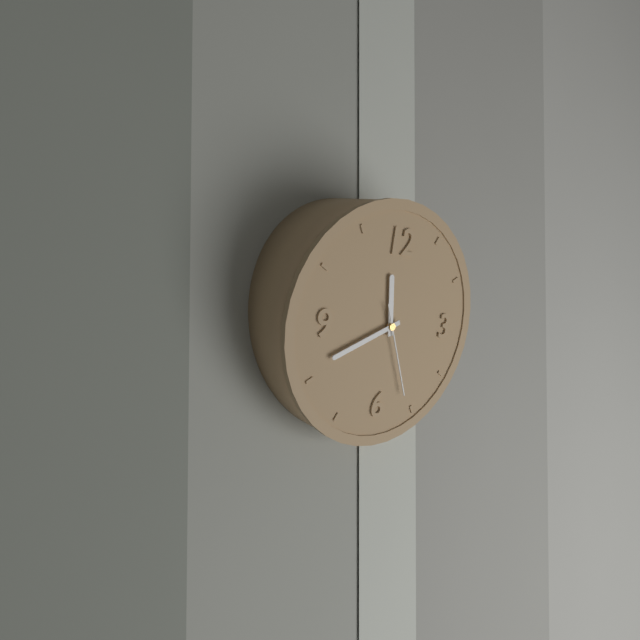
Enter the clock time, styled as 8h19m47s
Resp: 11h41m26s
